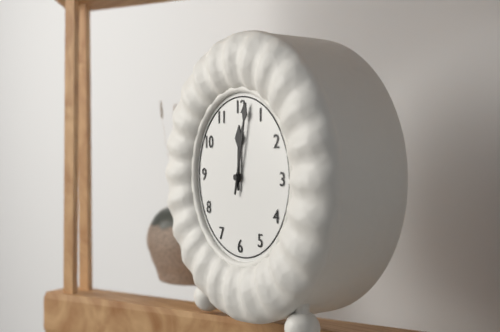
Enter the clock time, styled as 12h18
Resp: 12h02
